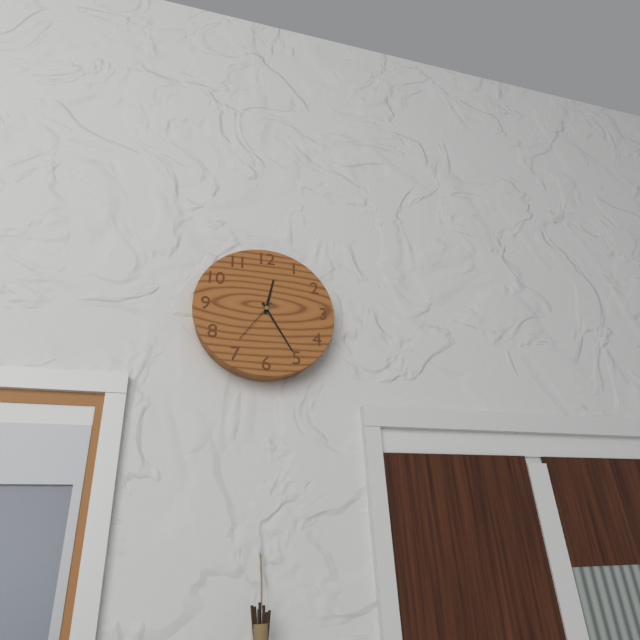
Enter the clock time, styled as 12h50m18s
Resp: 12h25m36s
